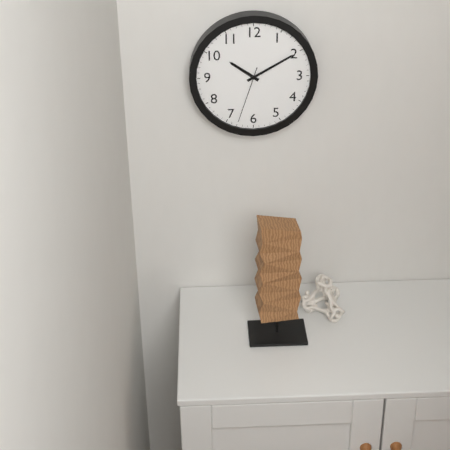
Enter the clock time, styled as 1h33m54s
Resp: 10h10m33s
